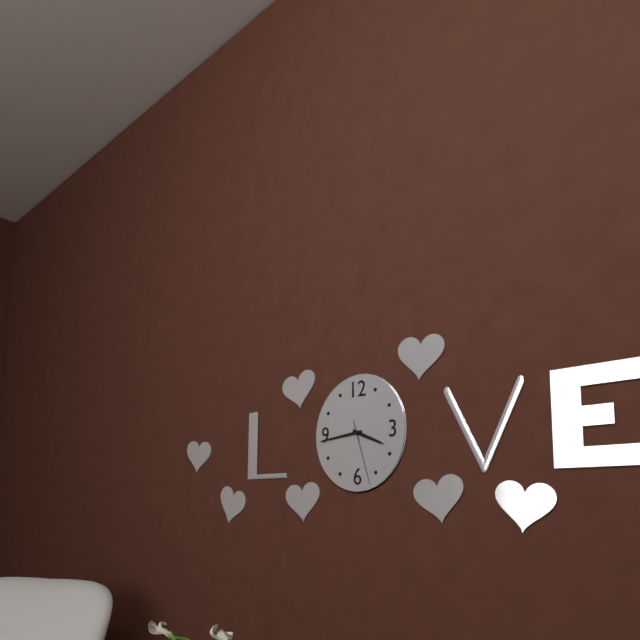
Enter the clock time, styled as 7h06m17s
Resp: 3h44m27s
